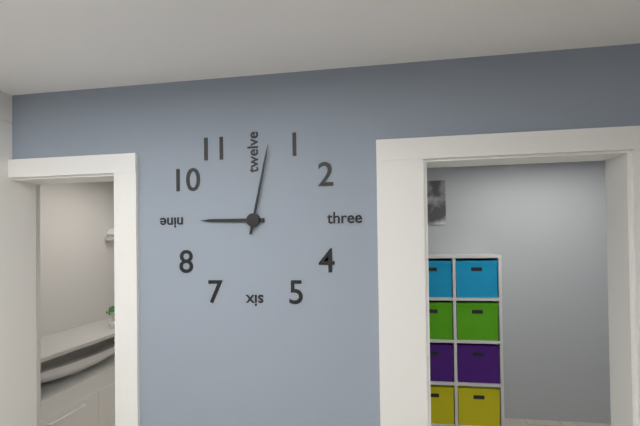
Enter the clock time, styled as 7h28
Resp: 9h02
